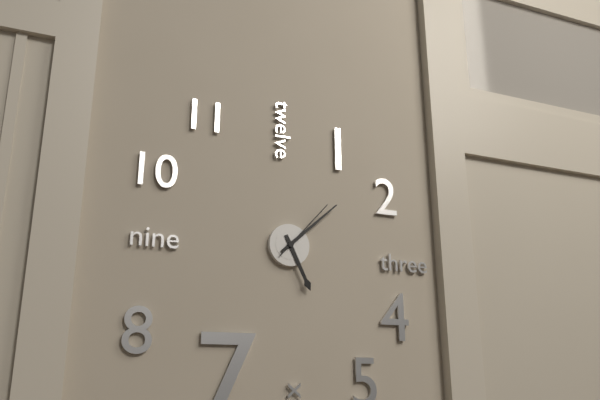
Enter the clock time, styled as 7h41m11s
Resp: 5h08m07s
